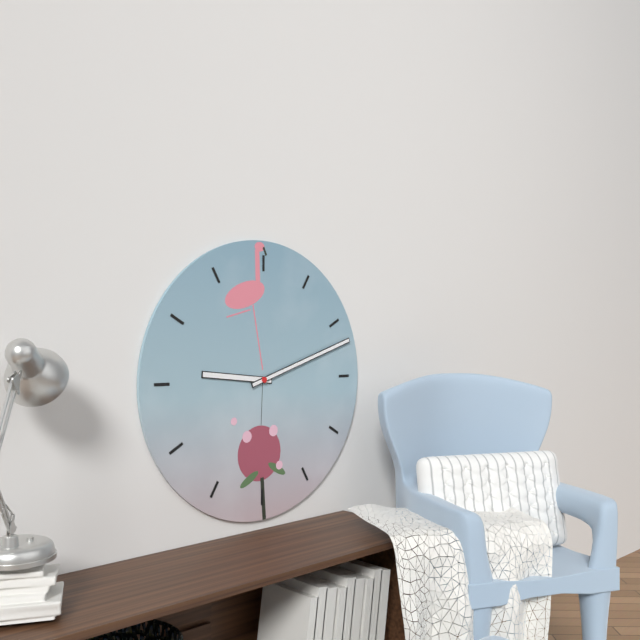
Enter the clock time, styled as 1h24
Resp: 9h12
